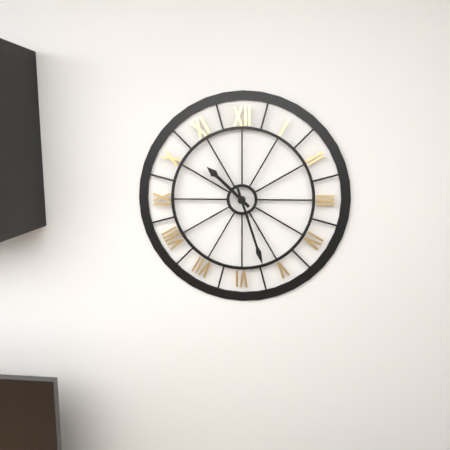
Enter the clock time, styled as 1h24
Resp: 10h27
